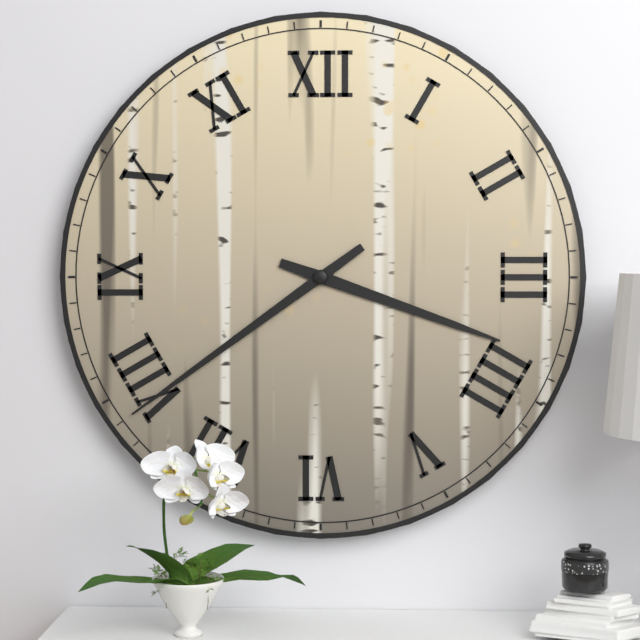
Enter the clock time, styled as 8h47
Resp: 3h39
